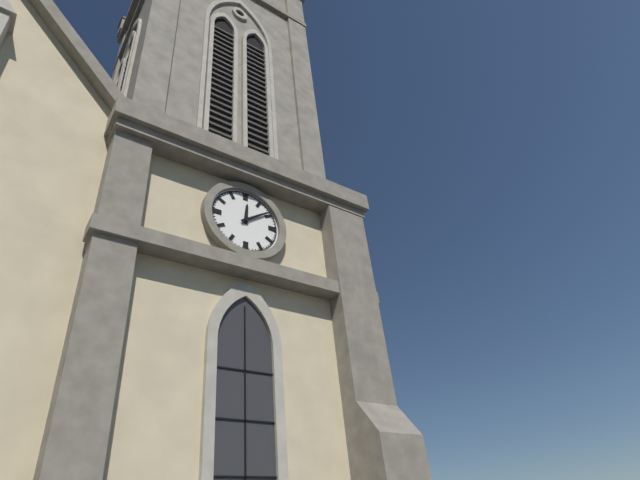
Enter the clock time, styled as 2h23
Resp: 12h09
